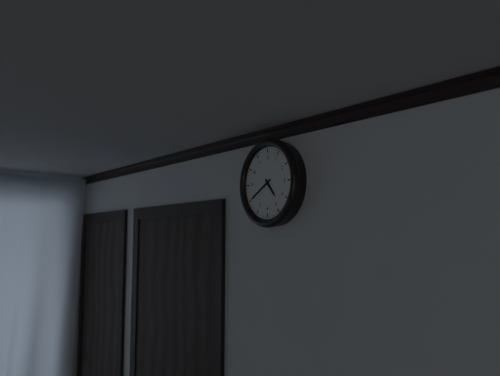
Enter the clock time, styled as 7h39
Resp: 4h40
